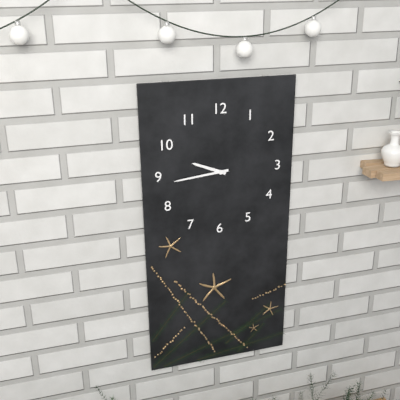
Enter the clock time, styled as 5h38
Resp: 9h44
